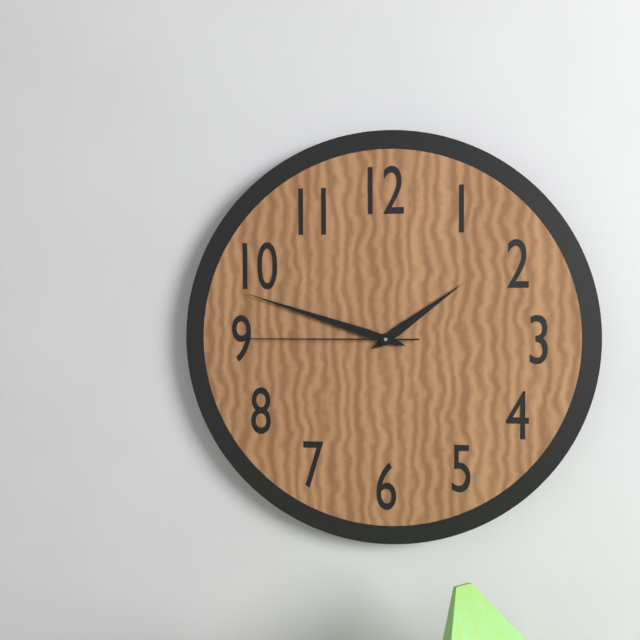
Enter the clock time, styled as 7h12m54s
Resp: 1h48m45s
